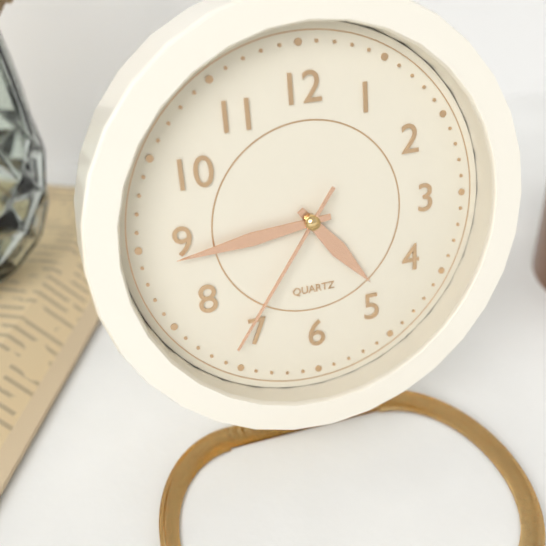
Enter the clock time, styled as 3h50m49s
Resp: 4h44m36s
